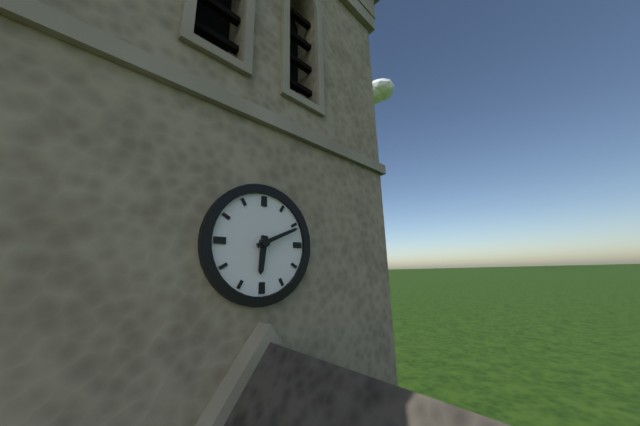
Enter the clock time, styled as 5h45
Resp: 6h11
